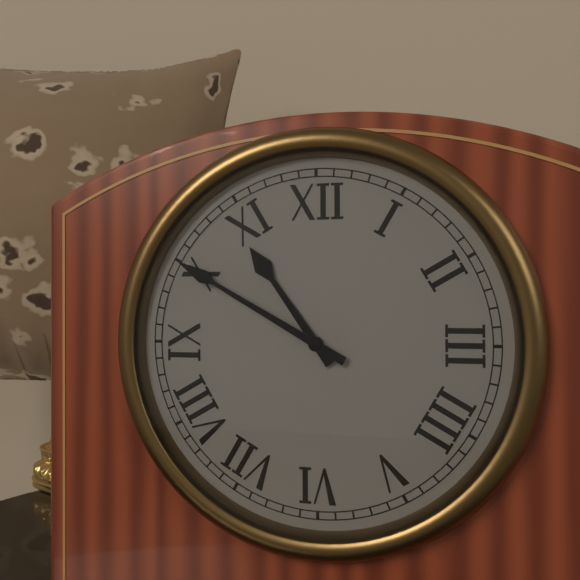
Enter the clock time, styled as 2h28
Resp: 10h50
